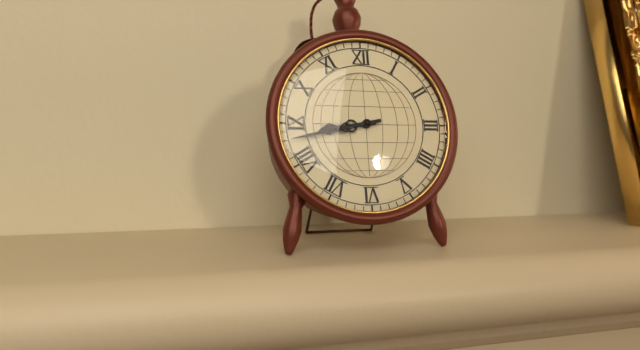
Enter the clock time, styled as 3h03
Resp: 8h43
